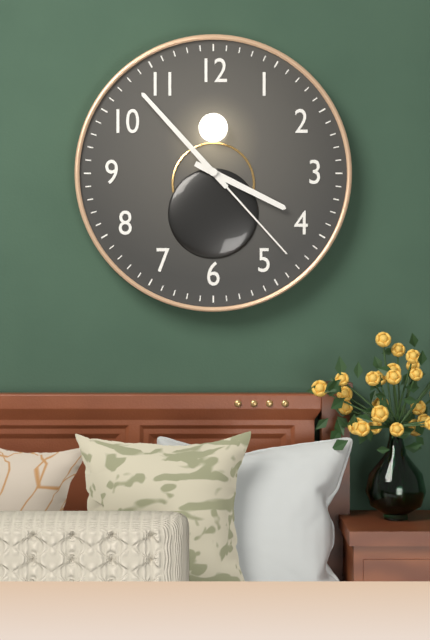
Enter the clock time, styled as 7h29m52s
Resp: 3h53m23s
